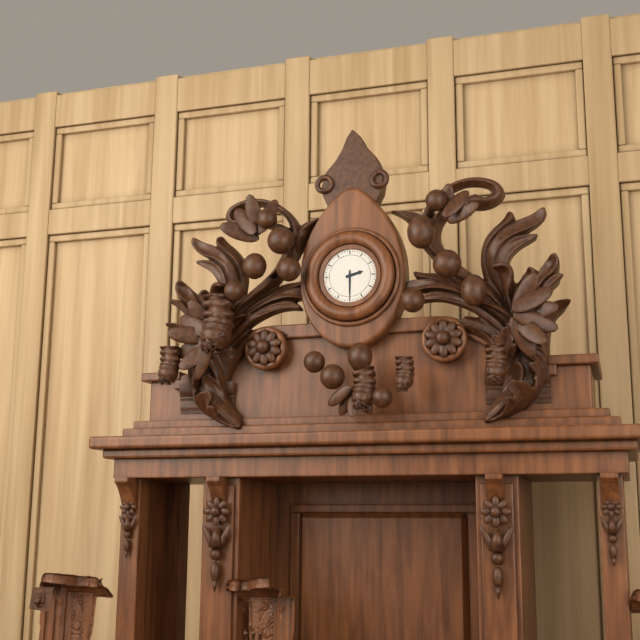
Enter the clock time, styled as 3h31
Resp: 2h30
